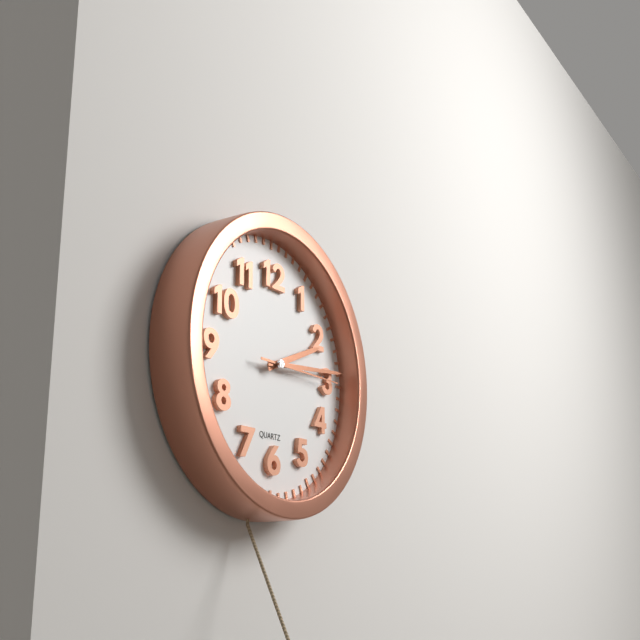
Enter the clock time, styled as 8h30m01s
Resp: 2h14m15s
